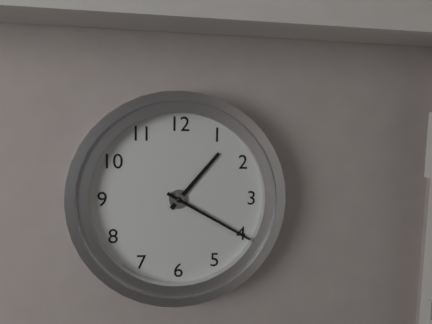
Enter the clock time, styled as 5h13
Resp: 1h20
